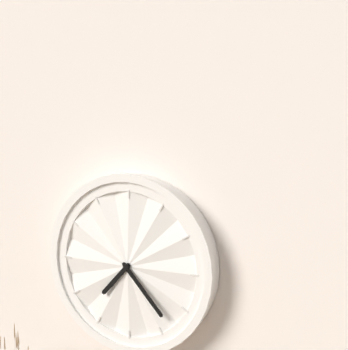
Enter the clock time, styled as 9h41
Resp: 7h23
